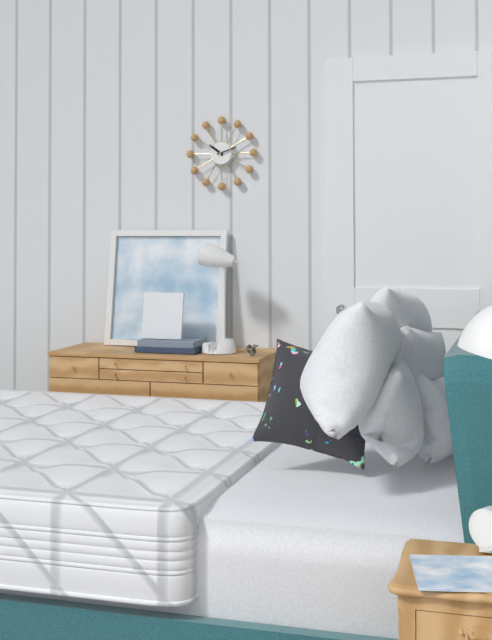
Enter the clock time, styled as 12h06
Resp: 10h12
